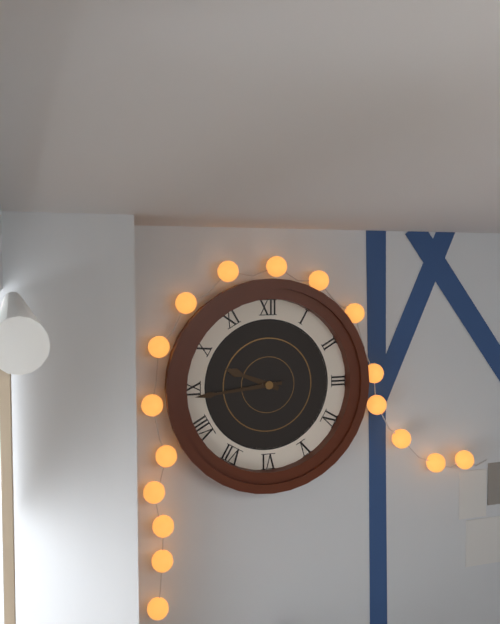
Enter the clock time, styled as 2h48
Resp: 9h44
